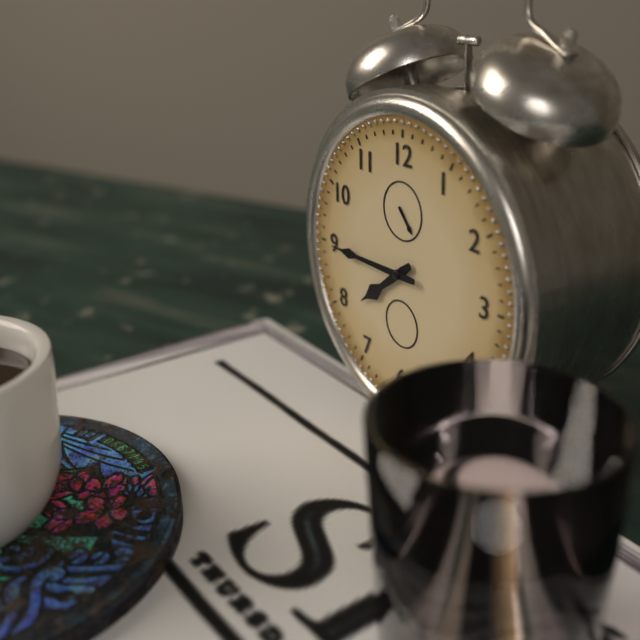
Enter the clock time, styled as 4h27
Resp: 7h45
